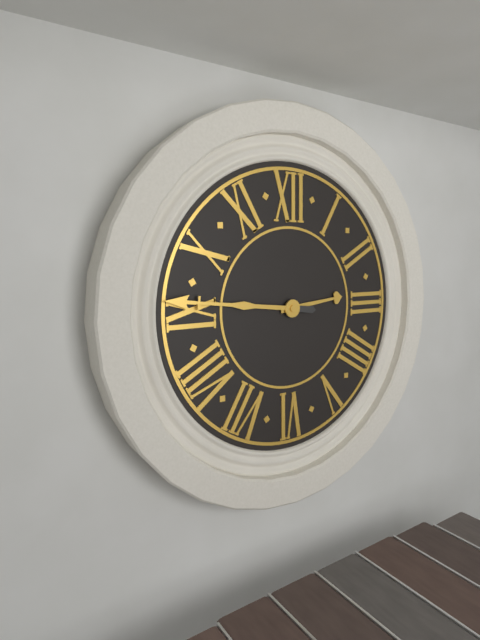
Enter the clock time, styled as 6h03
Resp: 2h46
